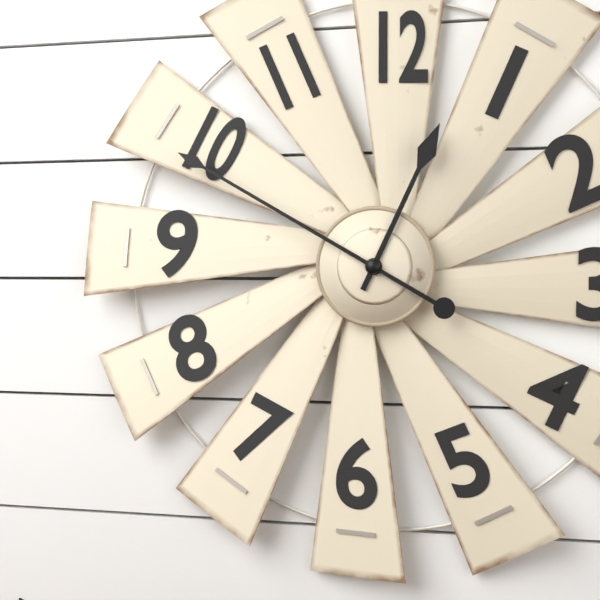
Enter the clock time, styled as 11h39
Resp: 12h50
